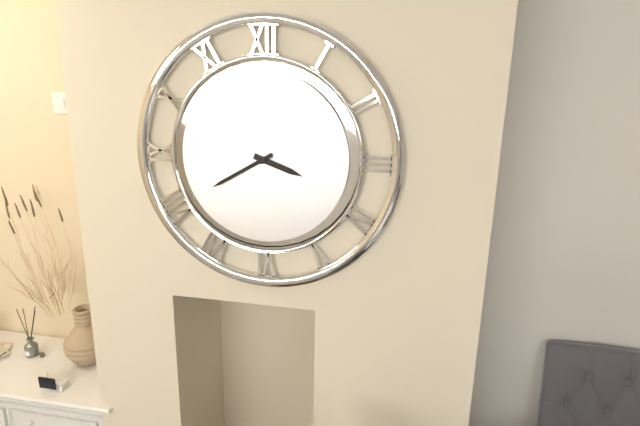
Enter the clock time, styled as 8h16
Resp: 3h40
